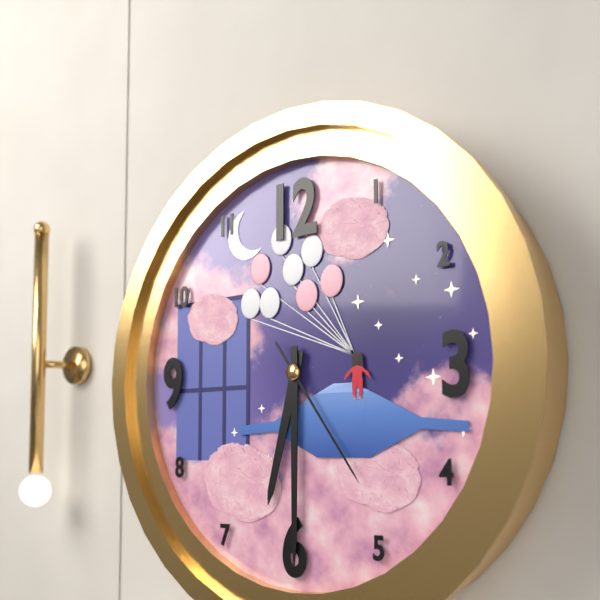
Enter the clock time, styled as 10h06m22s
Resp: 6h30m24s
